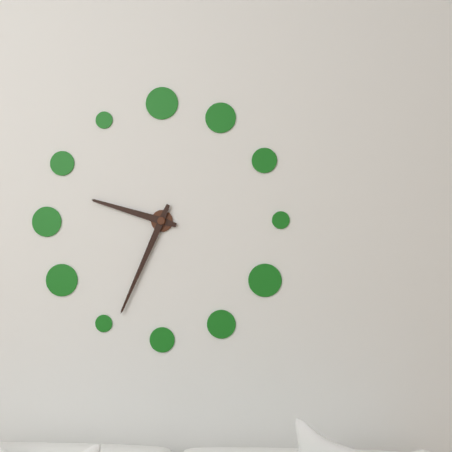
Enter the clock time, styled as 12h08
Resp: 9h34
